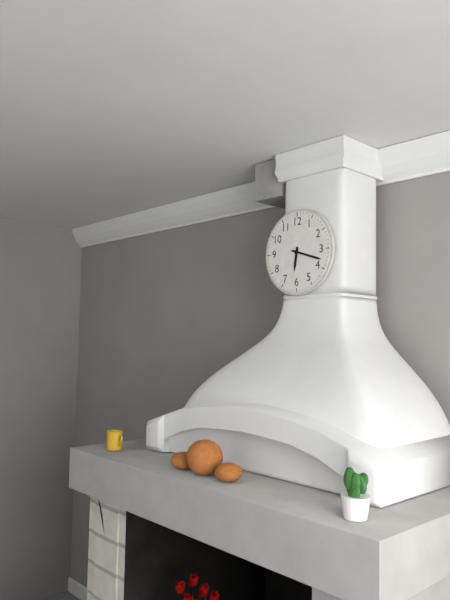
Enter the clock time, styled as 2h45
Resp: 6h18
